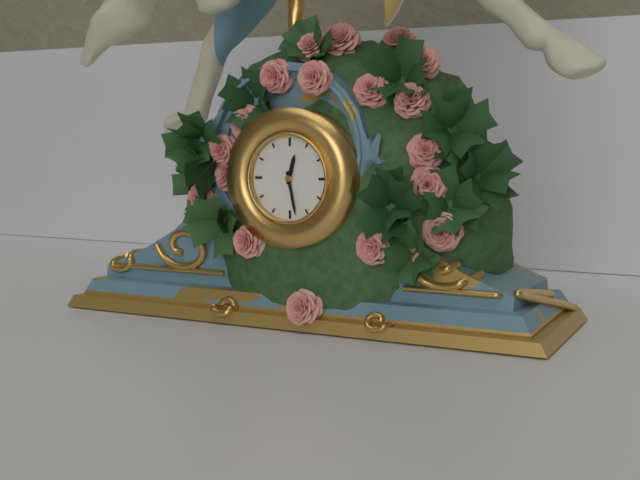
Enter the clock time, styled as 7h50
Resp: 12h28
